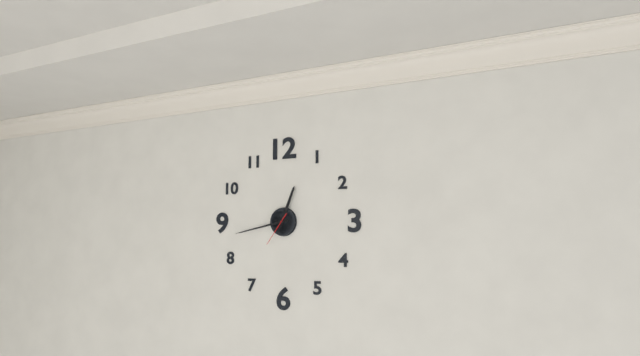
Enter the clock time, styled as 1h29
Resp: 12h43
